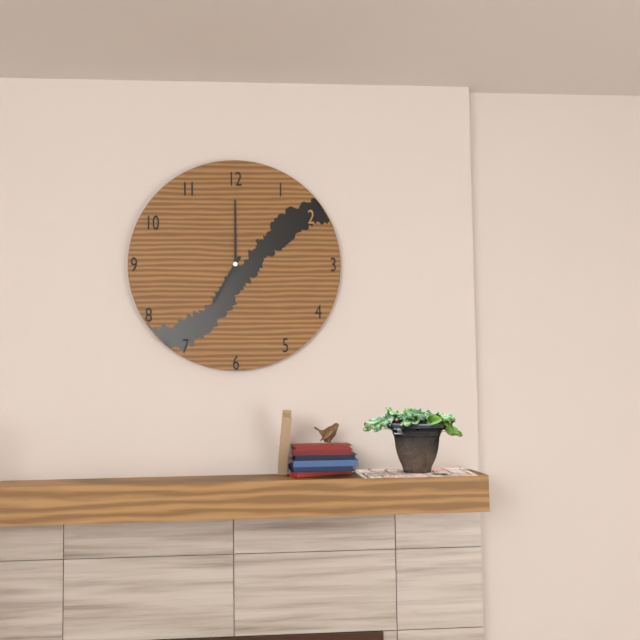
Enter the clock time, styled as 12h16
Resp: 7h00
